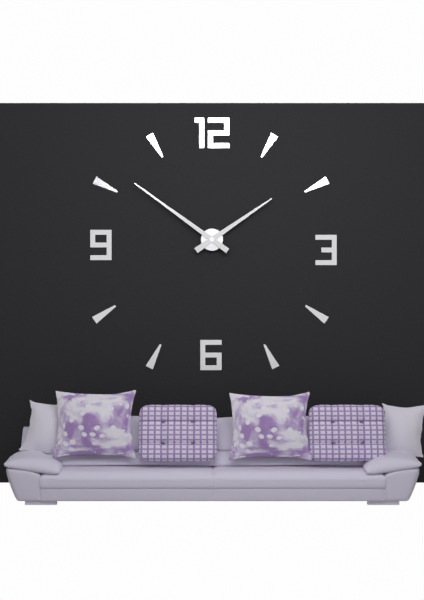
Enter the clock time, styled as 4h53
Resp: 1h51
